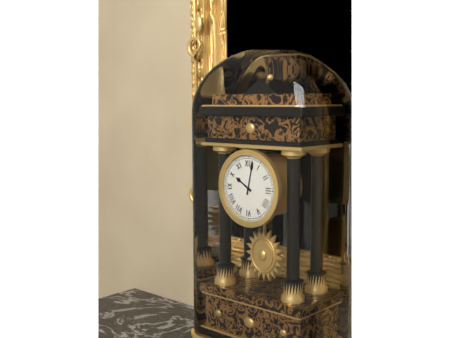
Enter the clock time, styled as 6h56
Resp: 10h02
